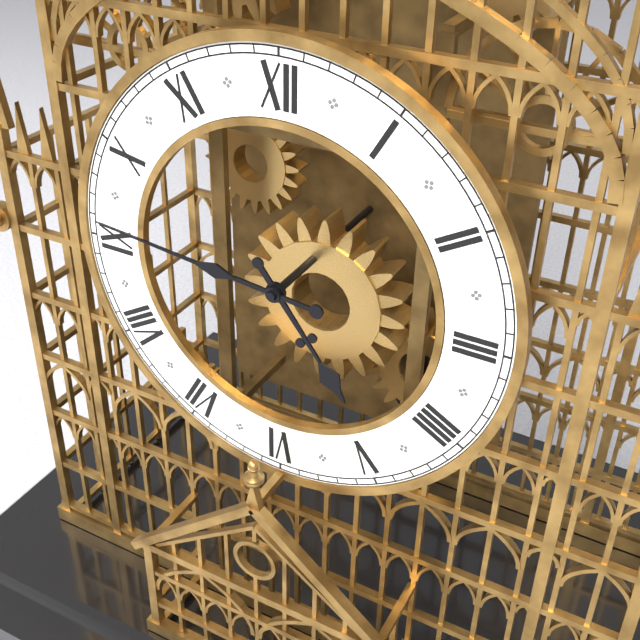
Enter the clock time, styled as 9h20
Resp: 4h46
